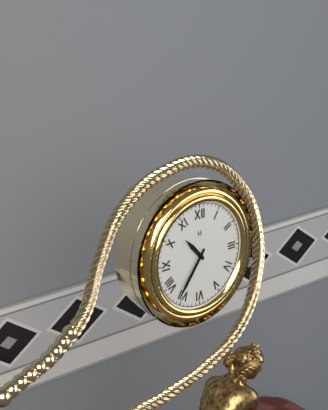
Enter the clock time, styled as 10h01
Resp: 10h36
